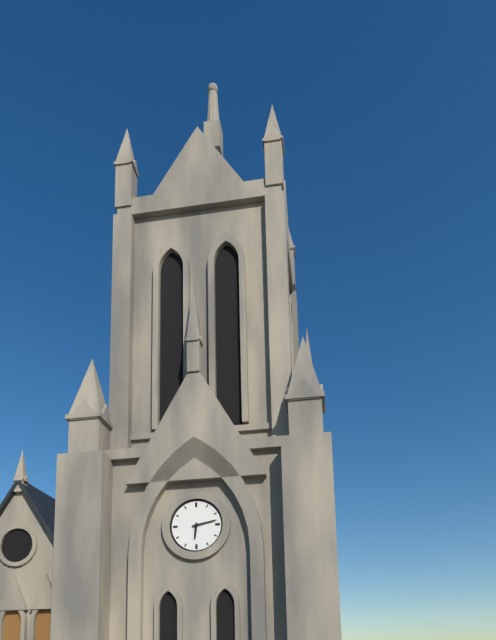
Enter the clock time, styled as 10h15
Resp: 6h13
